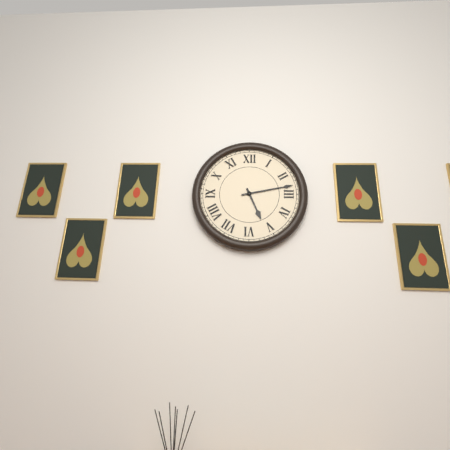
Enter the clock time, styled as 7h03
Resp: 5h13
